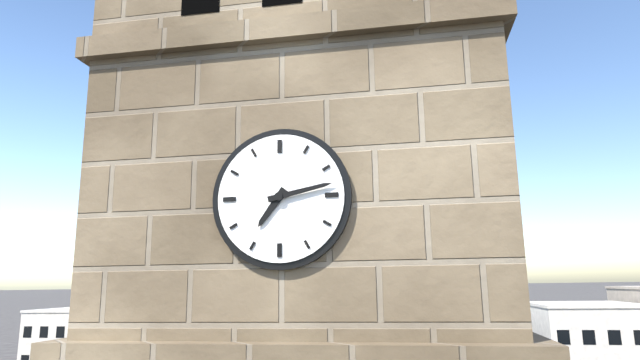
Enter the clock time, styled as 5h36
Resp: 7h13
